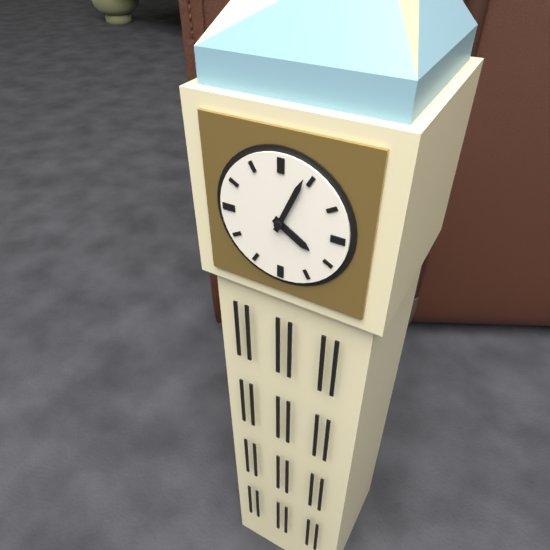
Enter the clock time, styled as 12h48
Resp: 4h04
